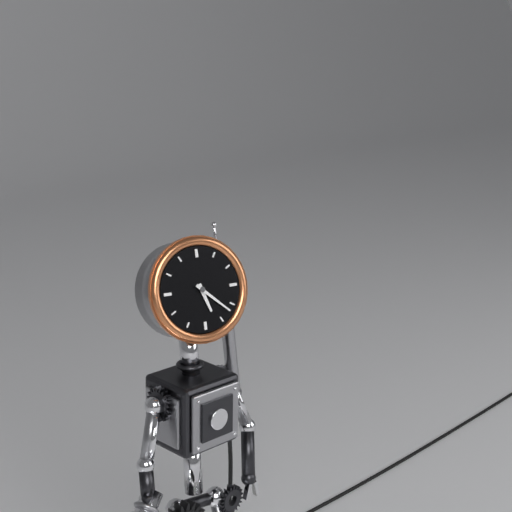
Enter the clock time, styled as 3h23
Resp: 5h22
